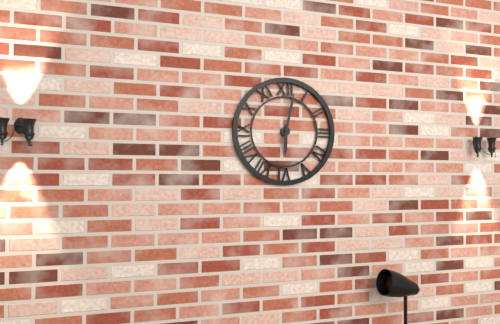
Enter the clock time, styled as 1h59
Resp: 6h02
